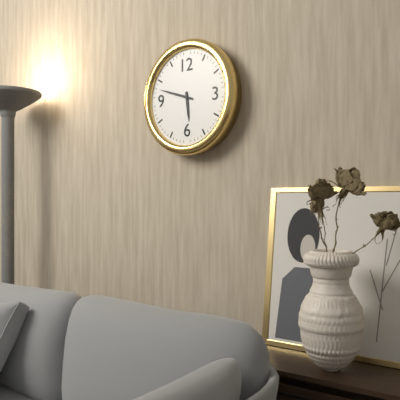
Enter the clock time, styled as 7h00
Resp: 5h48
